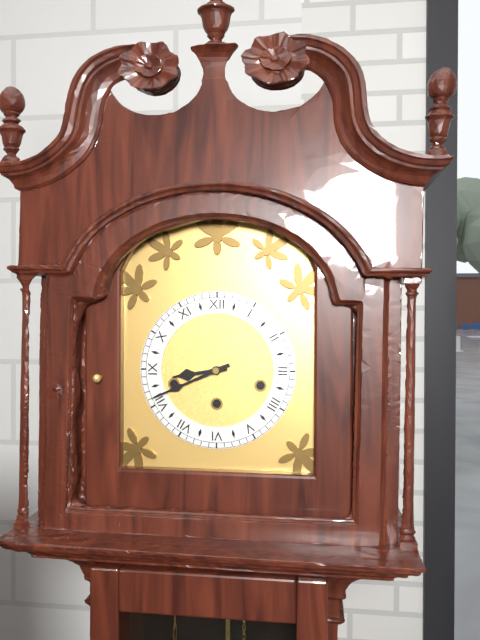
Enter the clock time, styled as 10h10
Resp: 8h41
